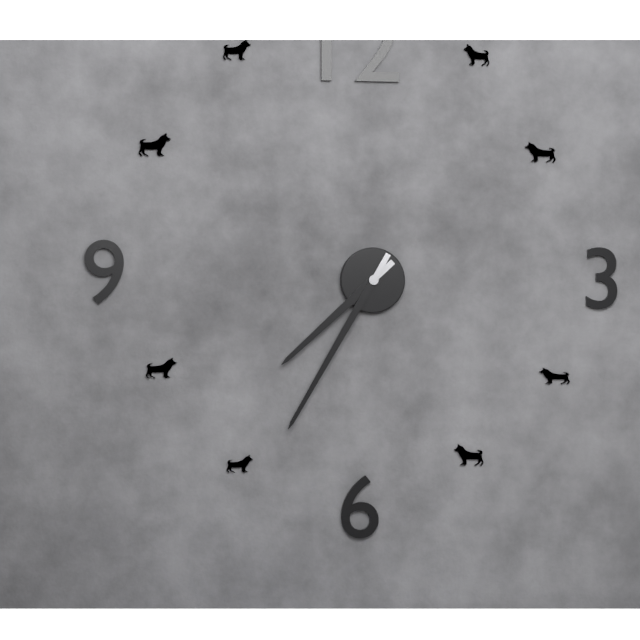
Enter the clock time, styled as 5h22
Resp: 7h35
